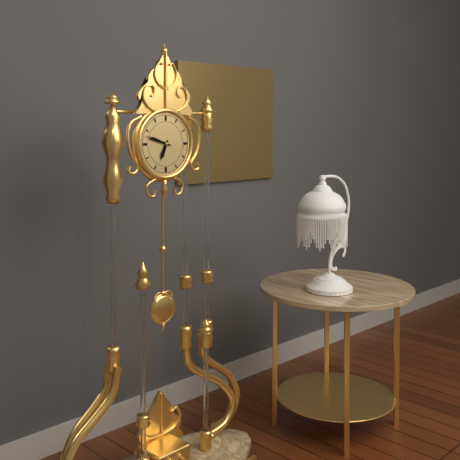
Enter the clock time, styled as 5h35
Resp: 6h48
